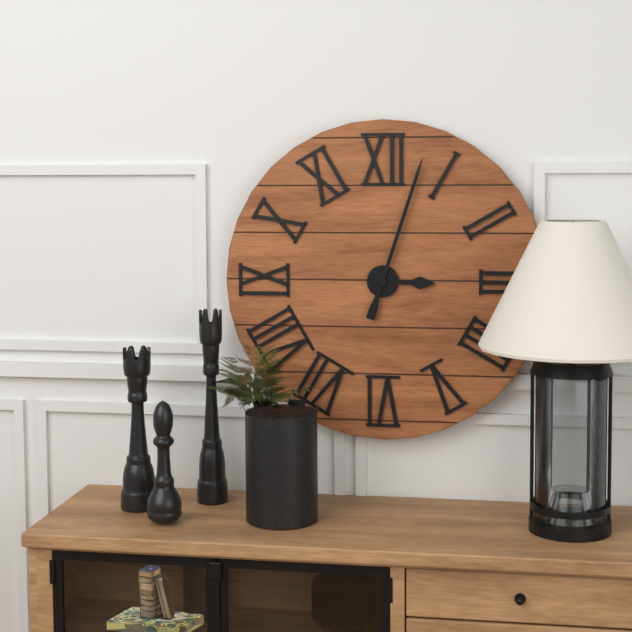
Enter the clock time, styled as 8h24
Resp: 3h03
